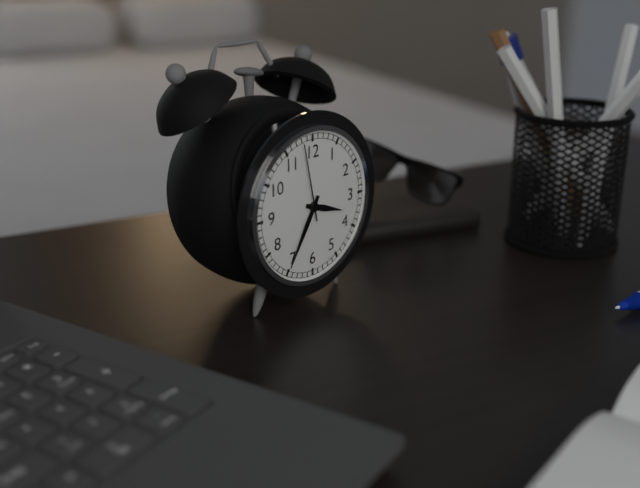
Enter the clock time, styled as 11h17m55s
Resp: 3h35m58s
